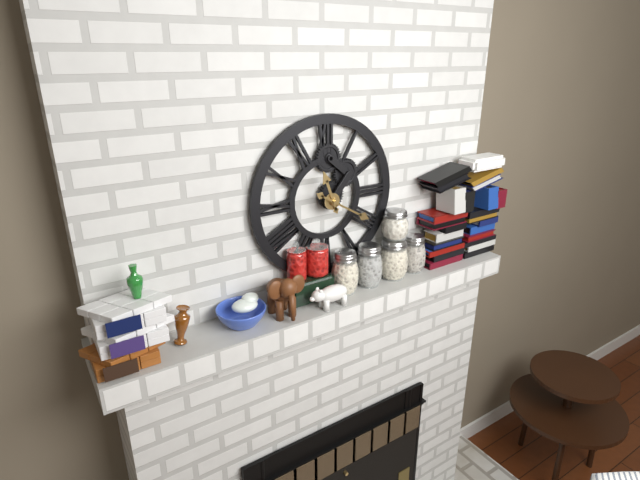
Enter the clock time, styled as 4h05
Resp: 11h20
